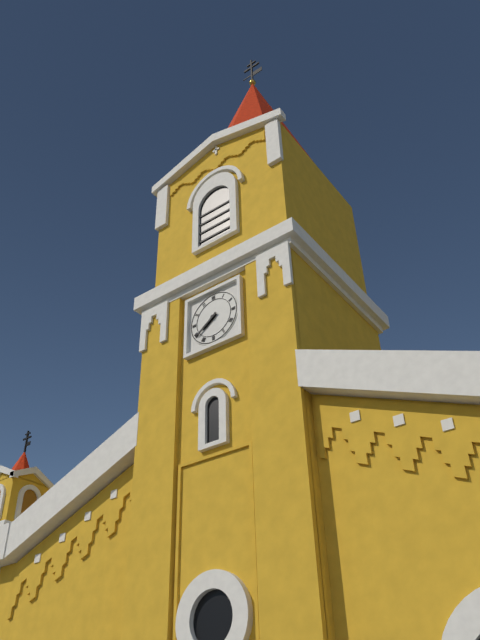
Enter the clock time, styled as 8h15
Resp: 7h39
